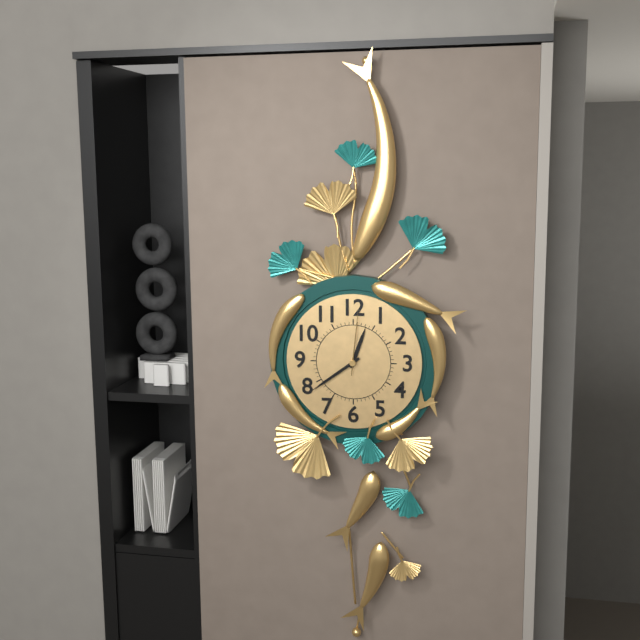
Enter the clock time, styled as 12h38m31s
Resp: 12h39m01s
